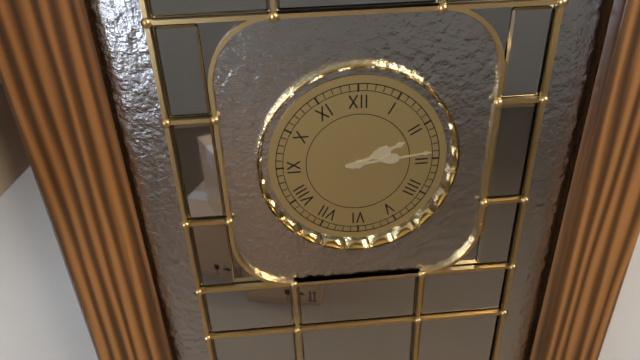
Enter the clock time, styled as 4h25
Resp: 2h14
